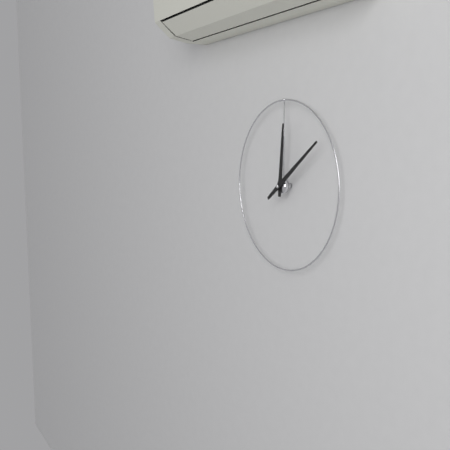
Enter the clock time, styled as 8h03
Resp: 12h09
